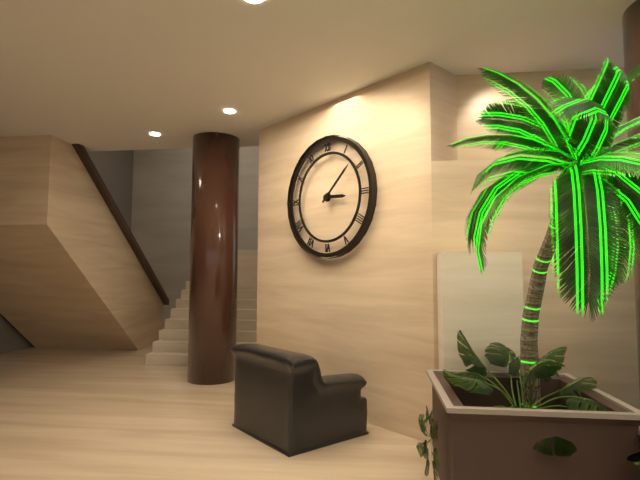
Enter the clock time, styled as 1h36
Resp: 3h08
